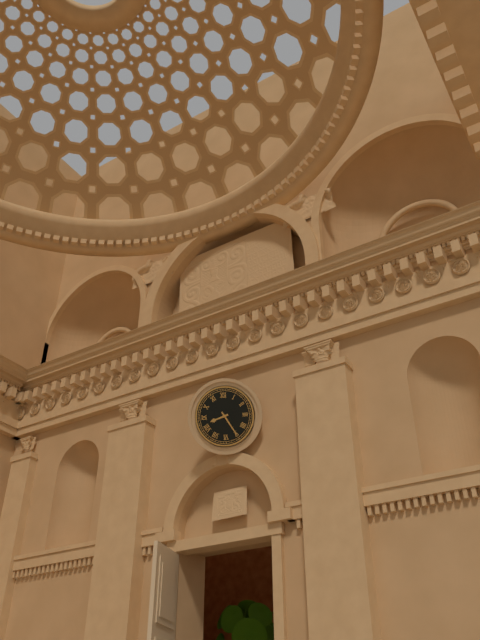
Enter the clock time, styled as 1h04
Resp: 8h25
